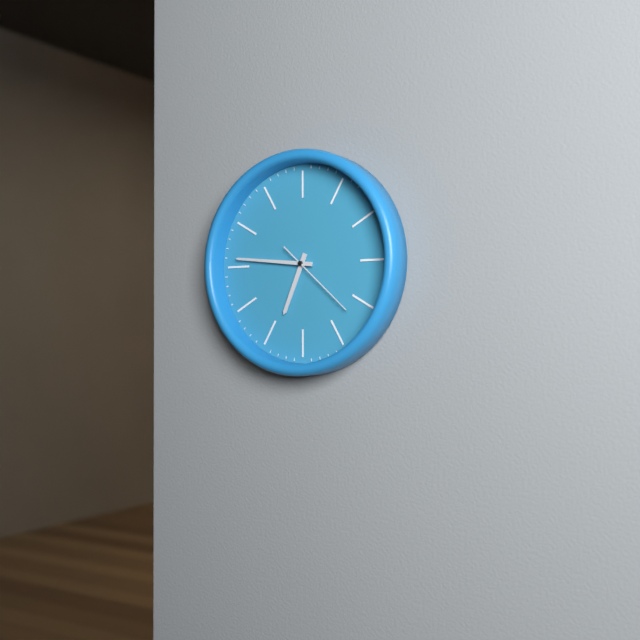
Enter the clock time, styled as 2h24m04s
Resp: 6h46m22s
